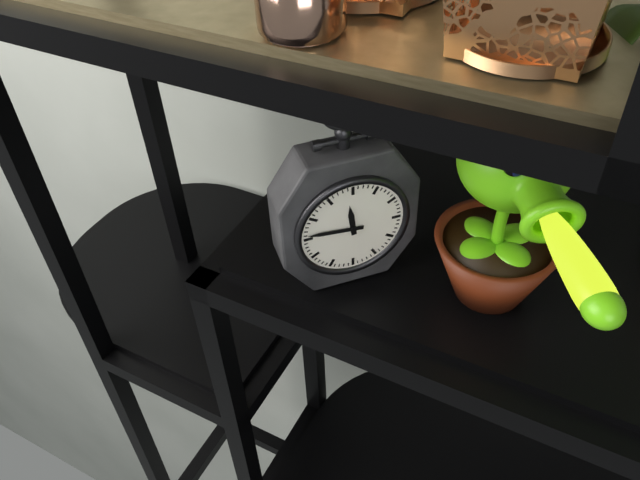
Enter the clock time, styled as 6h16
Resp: 11h46
